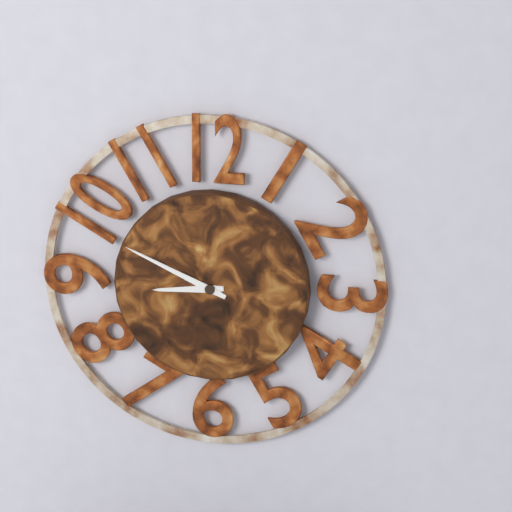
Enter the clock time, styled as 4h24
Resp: 8h49
